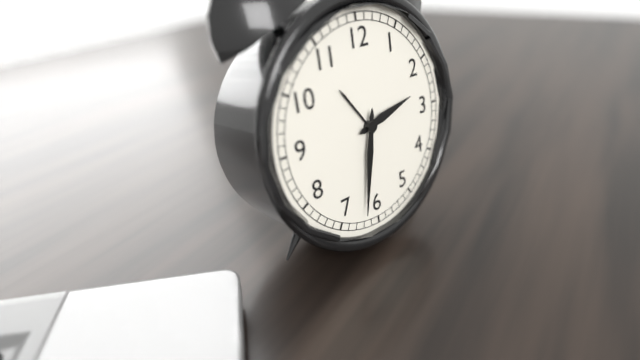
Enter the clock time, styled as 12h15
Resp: 2h32
